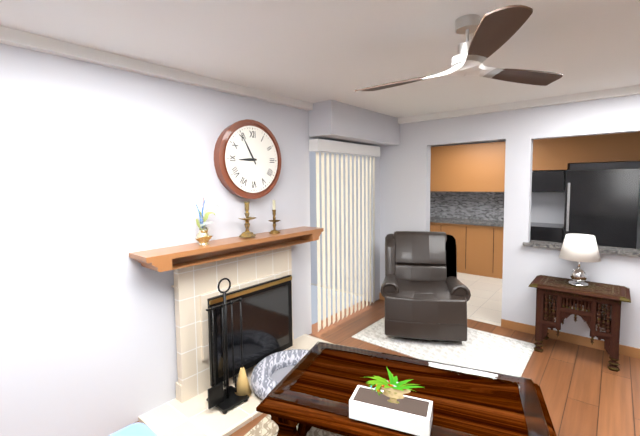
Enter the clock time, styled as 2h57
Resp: 8h55
